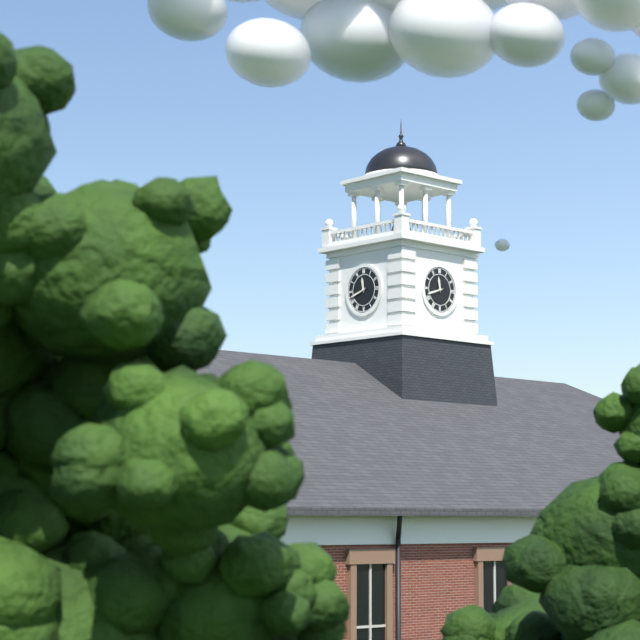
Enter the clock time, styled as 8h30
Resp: 11h42
